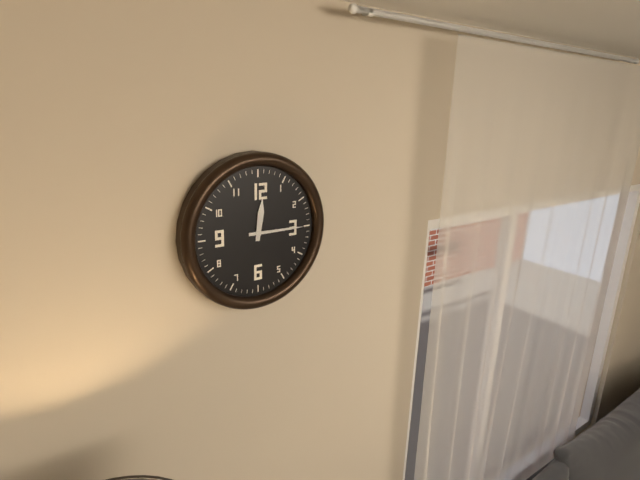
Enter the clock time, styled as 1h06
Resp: 12h15
